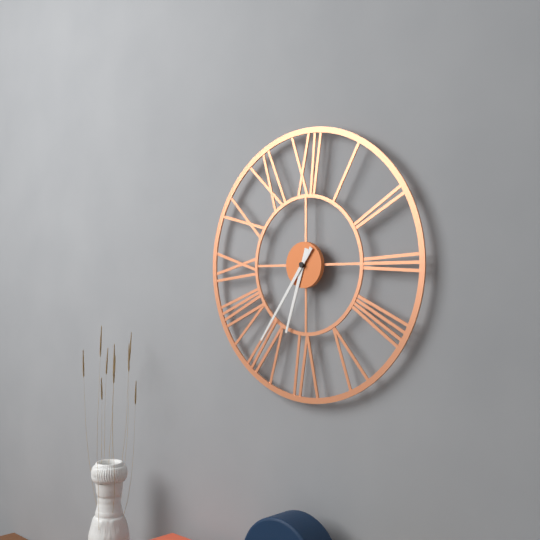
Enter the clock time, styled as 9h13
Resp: 6h36
